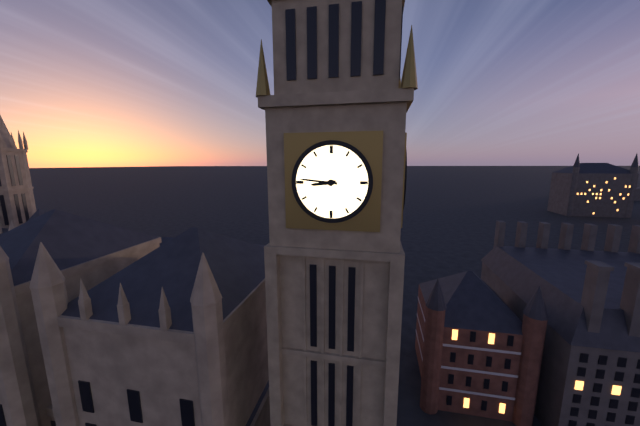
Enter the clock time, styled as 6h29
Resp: 8h46
